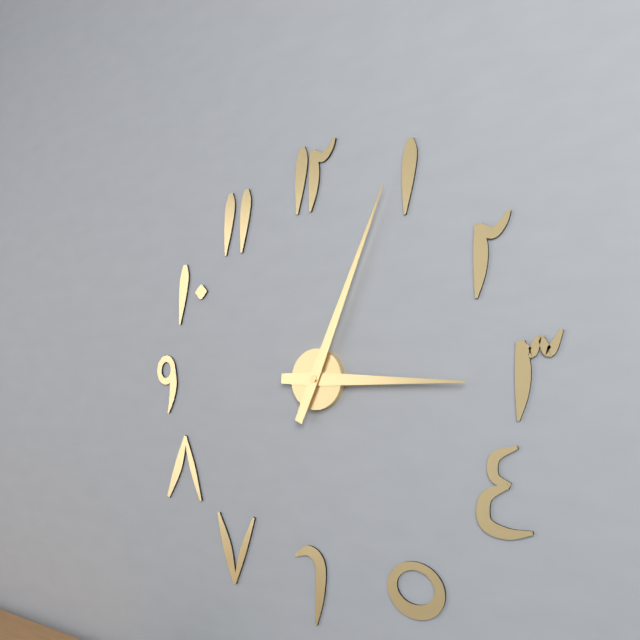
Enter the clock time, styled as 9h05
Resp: 3h04
